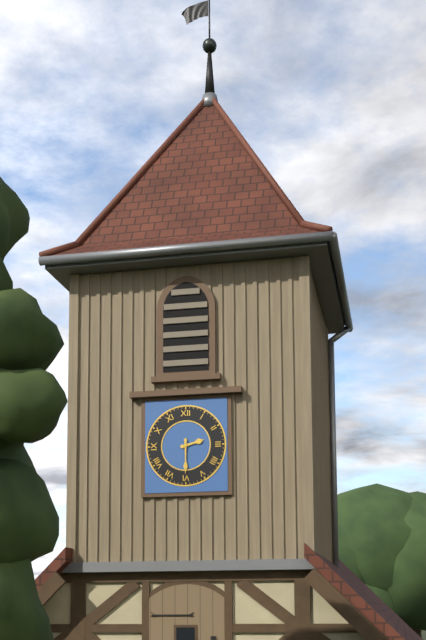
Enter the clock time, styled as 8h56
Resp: 2h30
